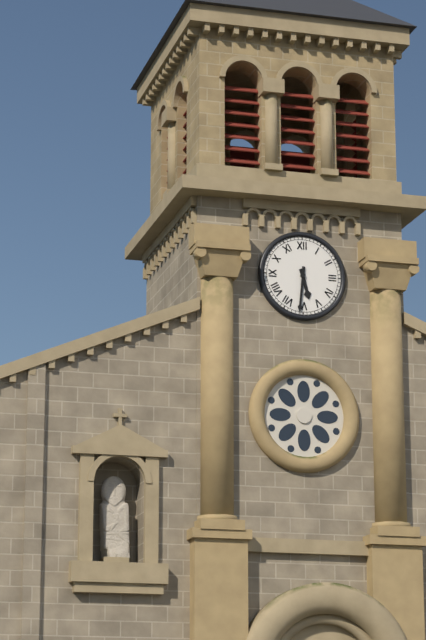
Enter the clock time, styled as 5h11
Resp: 5h31
